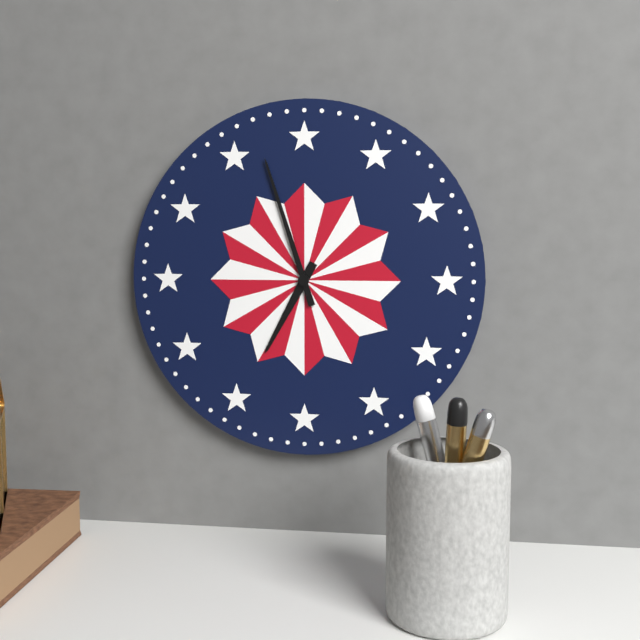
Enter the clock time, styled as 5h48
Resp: 6h57
